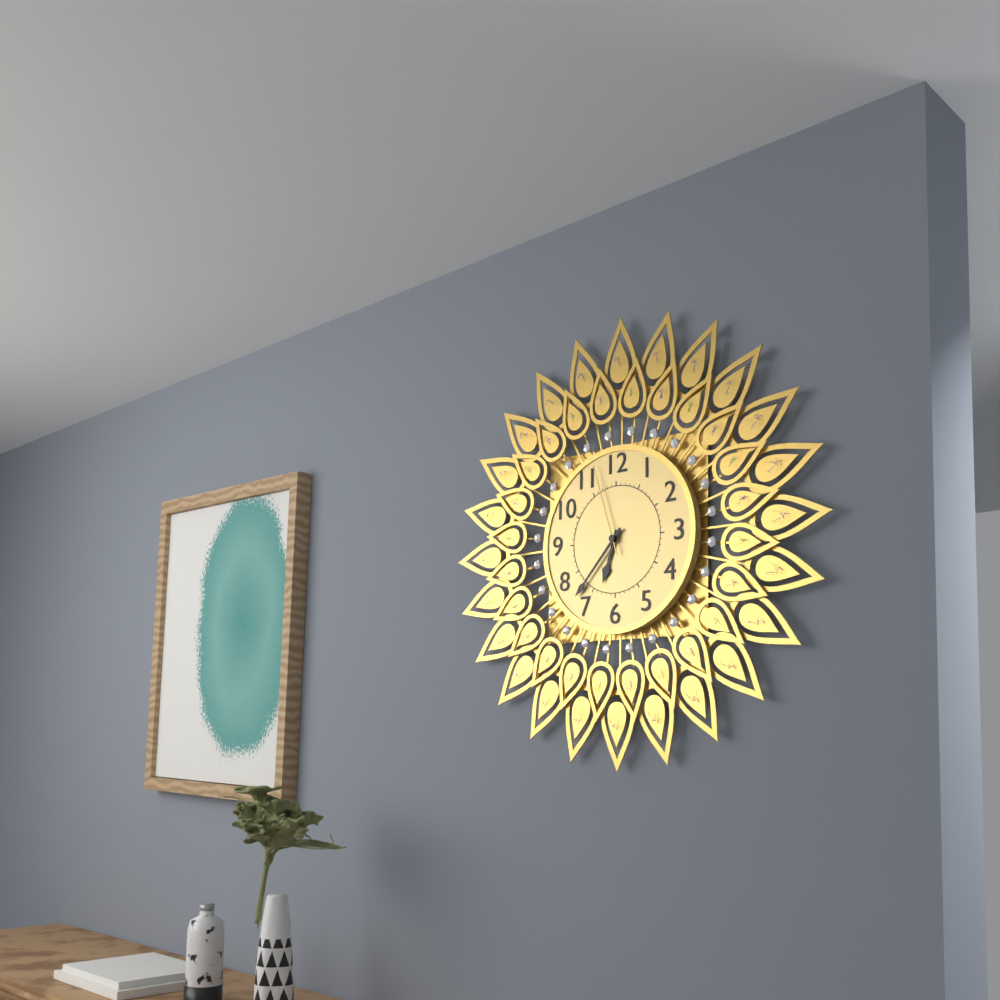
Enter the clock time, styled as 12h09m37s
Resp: 6h37m57s
